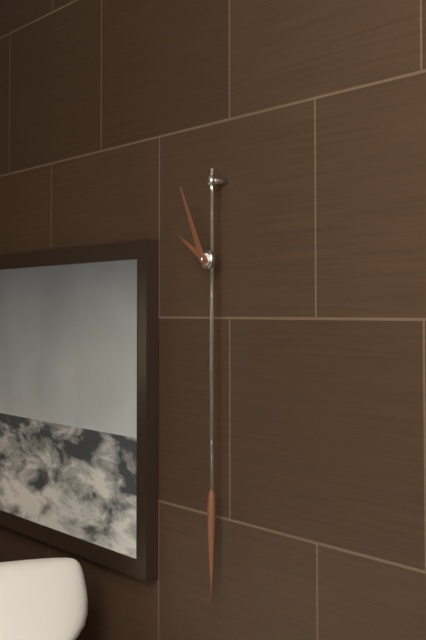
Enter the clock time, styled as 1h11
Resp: 9h55
